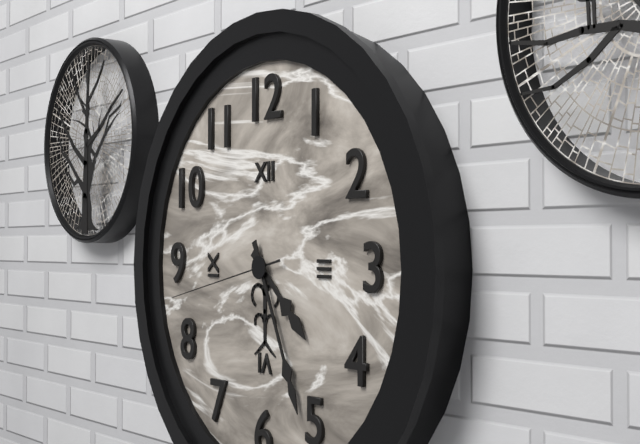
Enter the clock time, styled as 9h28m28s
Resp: 4h26m43s
